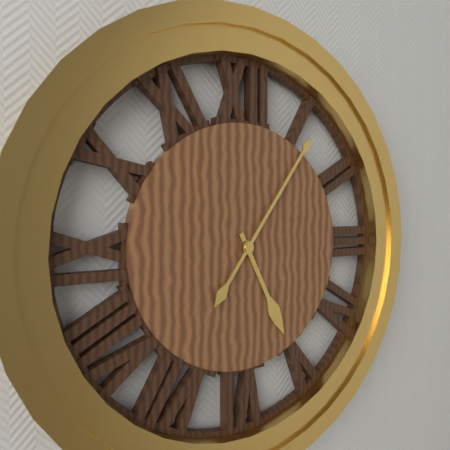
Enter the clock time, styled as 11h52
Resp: 5h06
